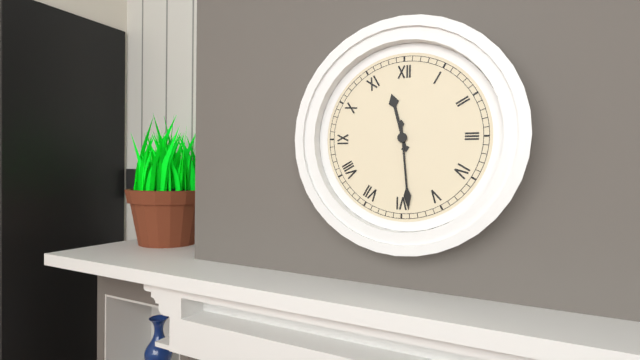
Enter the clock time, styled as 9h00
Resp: 11h29
